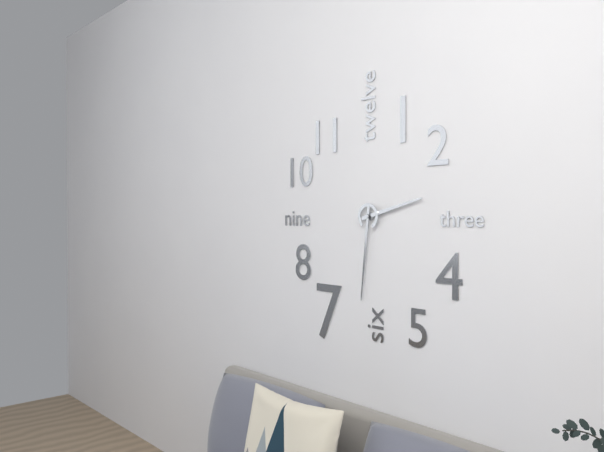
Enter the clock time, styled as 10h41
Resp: 2h31
